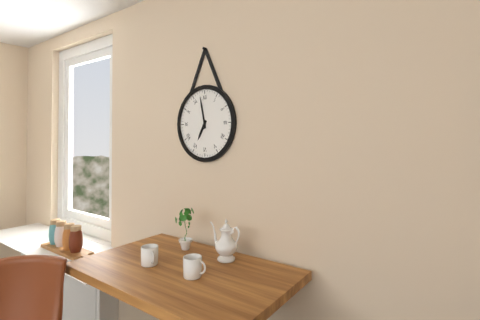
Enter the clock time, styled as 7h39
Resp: 6h58
